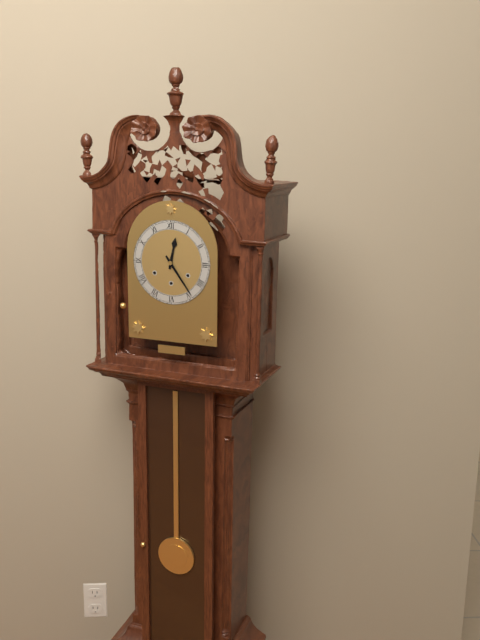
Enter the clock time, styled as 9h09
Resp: 12h24
